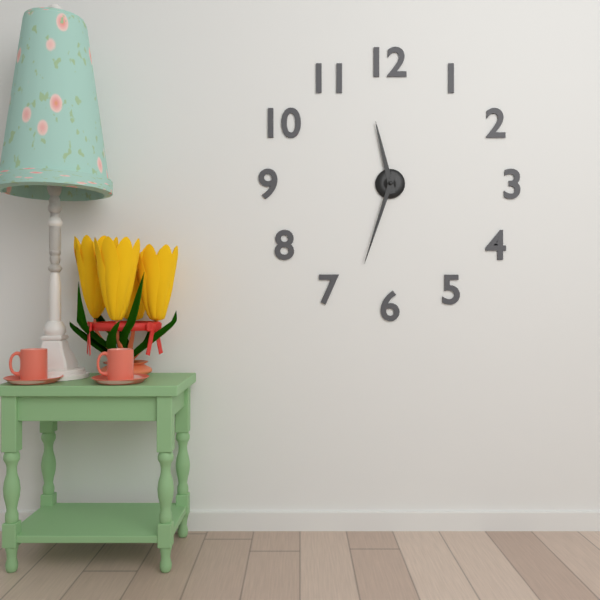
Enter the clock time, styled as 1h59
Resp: 11h33
